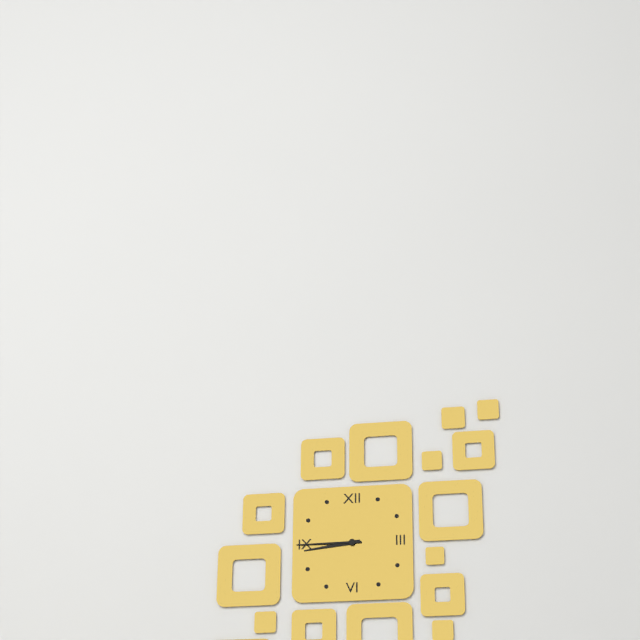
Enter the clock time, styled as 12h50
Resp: 8h45
